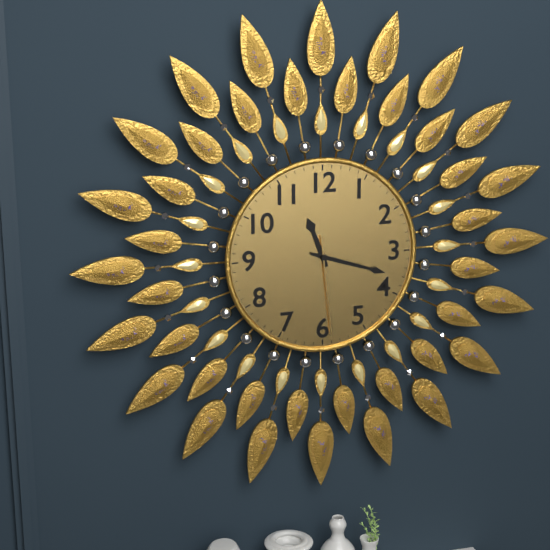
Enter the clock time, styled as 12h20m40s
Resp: 11h18m29s
